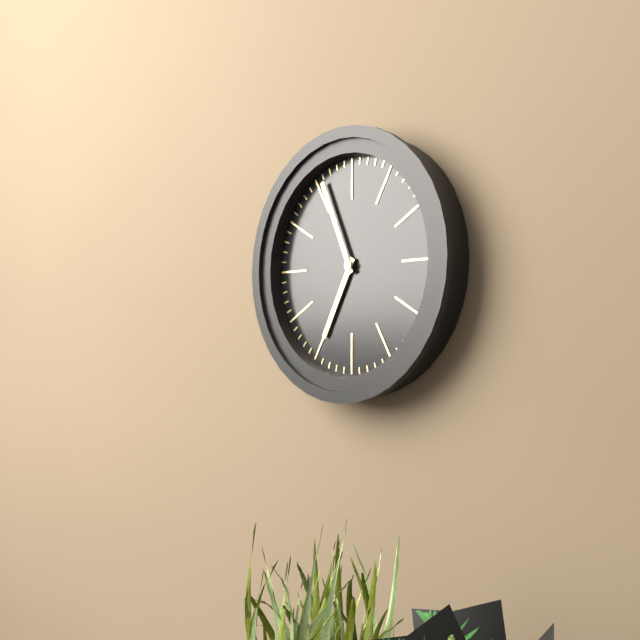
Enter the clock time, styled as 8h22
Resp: 6h56
